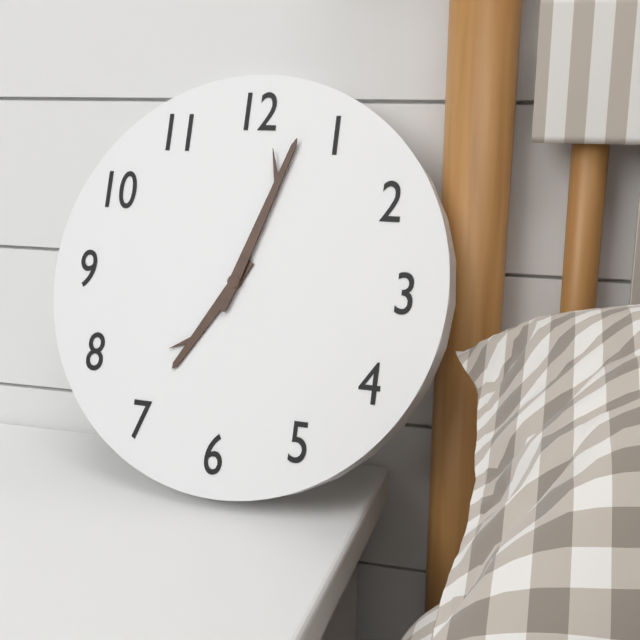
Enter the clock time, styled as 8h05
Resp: 7h03
